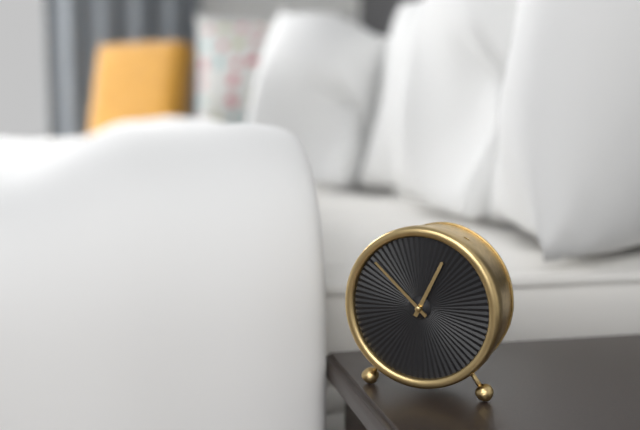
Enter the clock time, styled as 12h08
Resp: 12h52
